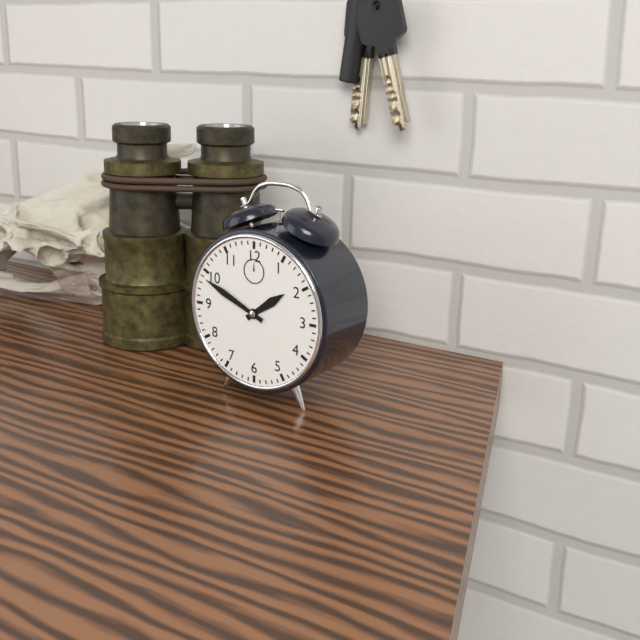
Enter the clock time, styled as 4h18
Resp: 1h49
